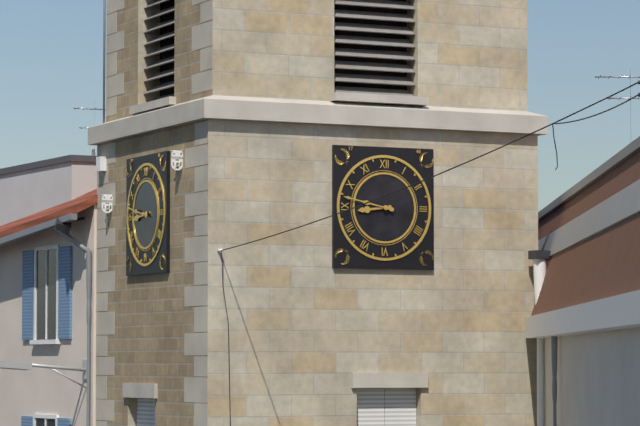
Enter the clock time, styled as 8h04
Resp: 8h47
